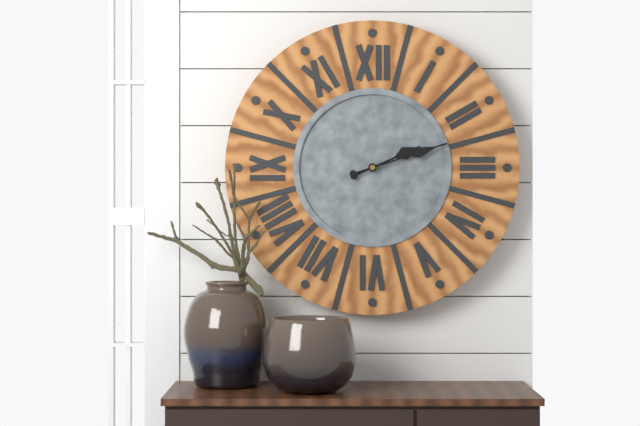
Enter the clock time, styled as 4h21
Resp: 2h12
